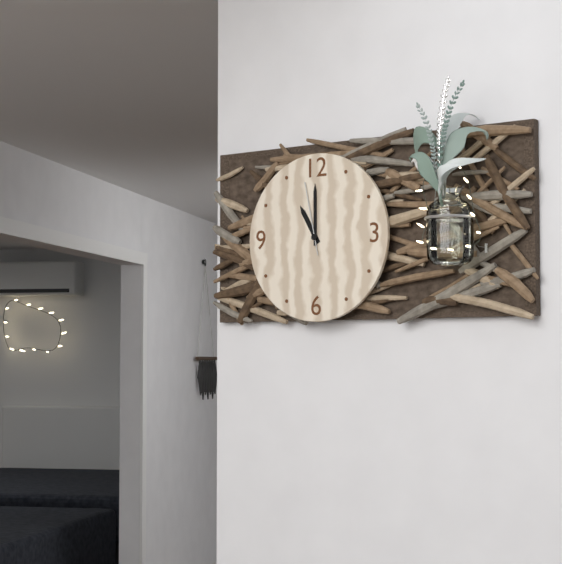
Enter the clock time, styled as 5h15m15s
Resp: 11h00m58s
